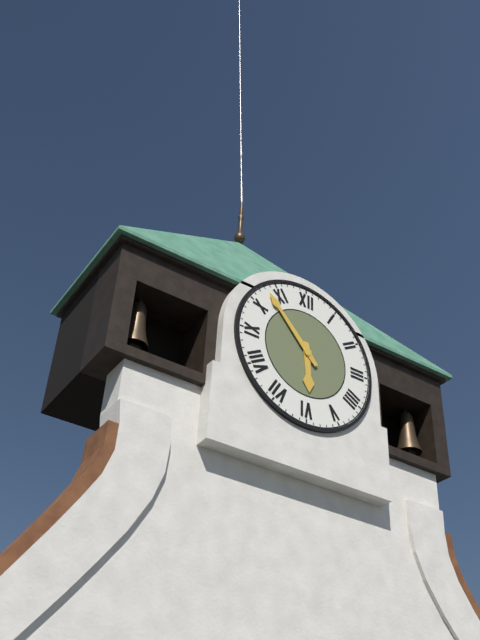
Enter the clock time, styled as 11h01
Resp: 5h53
